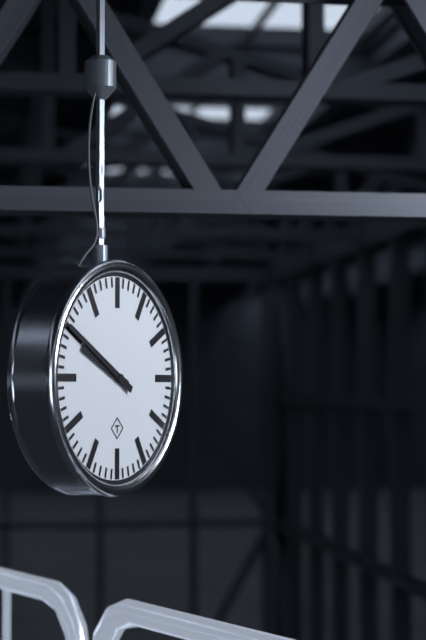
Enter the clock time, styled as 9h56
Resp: 9h50
